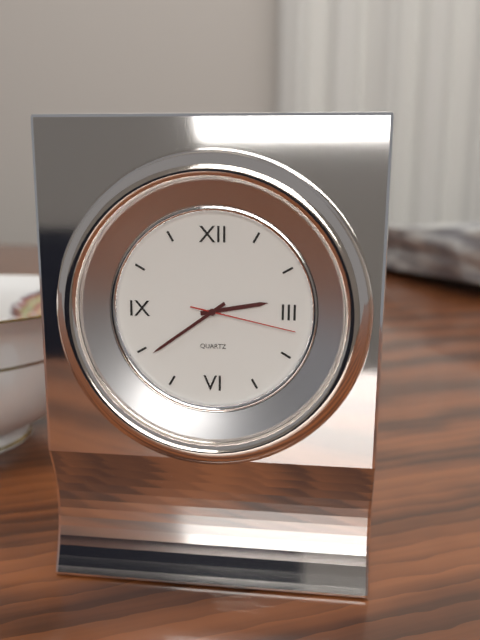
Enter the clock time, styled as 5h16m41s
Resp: 2h39m17s
